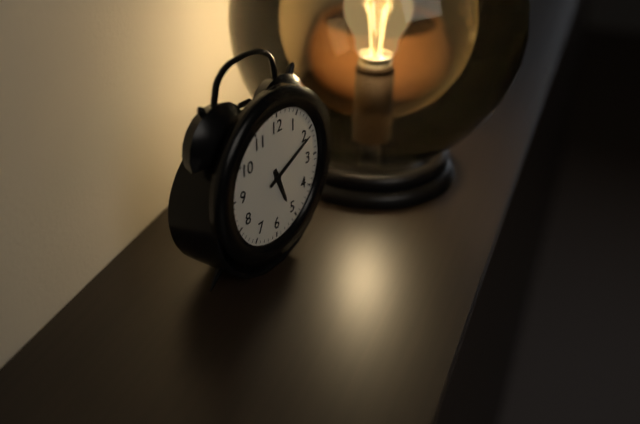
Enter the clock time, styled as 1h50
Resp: 5h11
